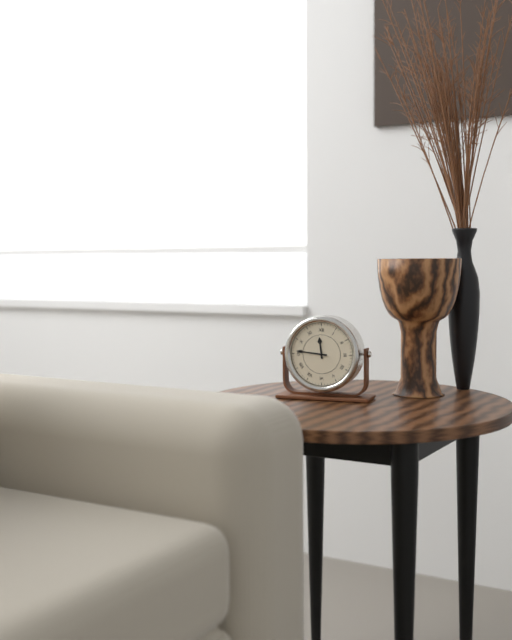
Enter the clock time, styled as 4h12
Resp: 11h46
